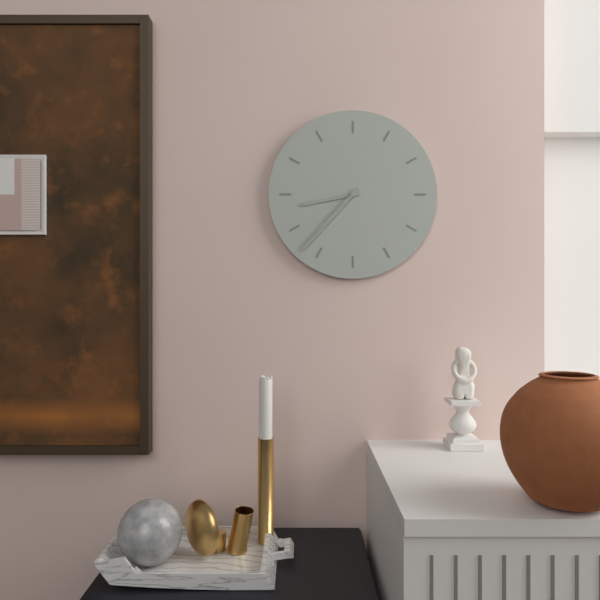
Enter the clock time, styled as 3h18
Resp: 8h37
